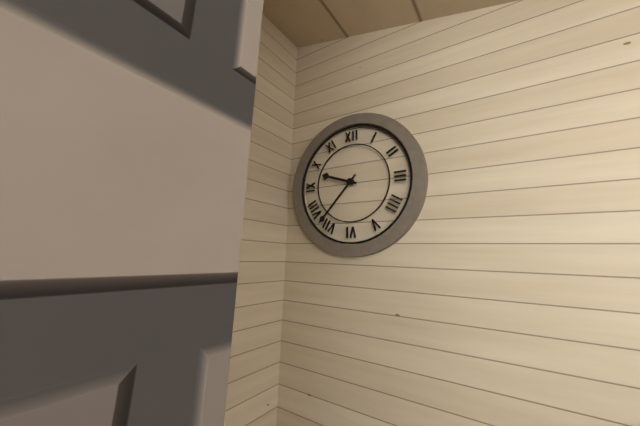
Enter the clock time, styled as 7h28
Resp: 9h37
